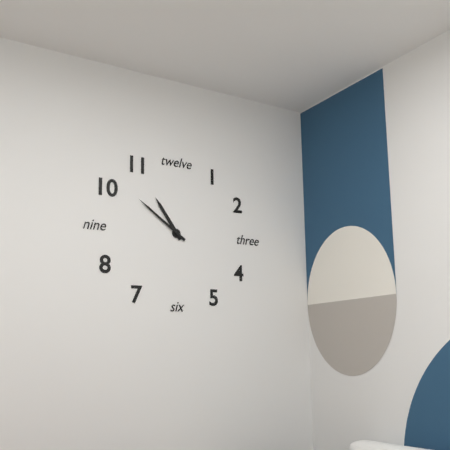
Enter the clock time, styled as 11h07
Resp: 10h51
